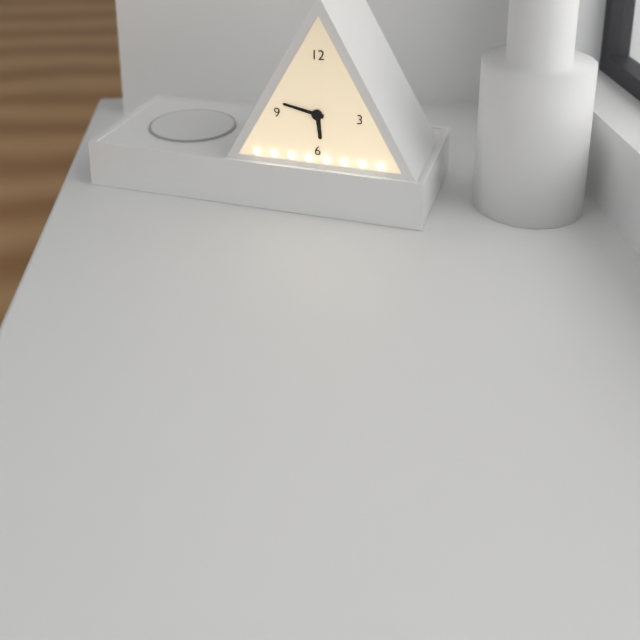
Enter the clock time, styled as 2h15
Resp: 5h47
